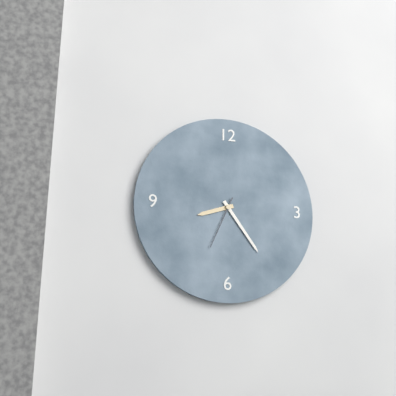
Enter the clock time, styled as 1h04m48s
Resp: 8h24m34s
